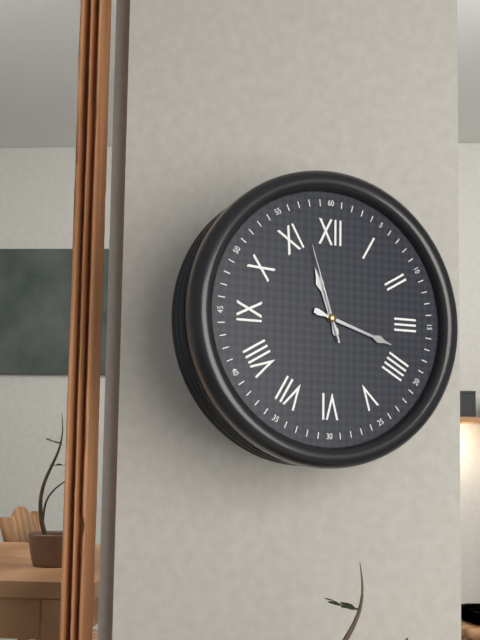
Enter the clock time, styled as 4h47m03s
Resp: 11h18m57s
